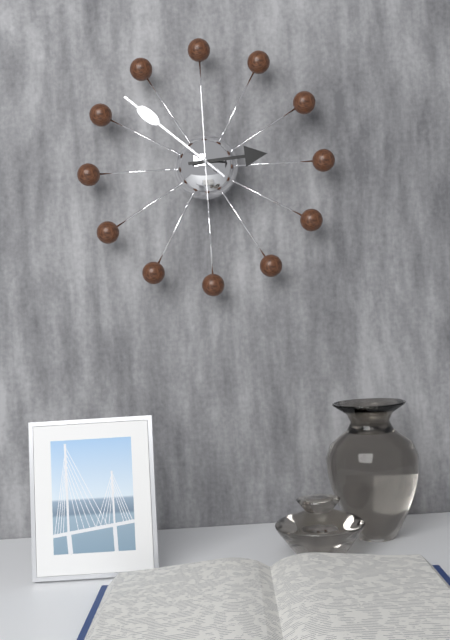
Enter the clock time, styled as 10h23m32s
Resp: 2h52m00s
